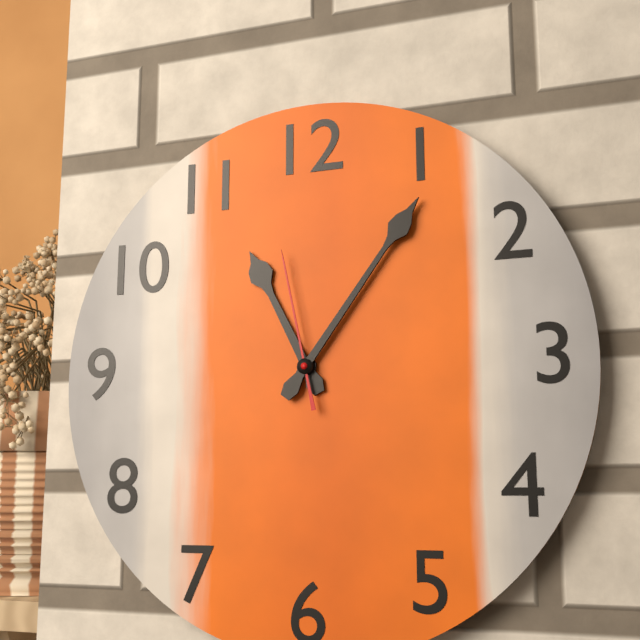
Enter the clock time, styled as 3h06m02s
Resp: 11h06m58s
